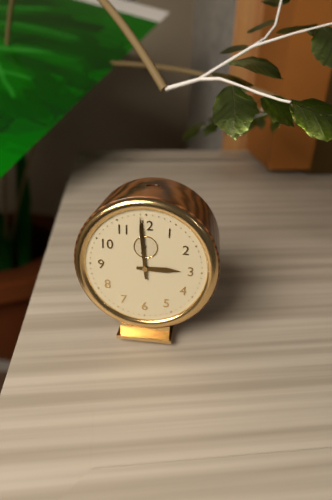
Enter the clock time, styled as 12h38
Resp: 2h59
